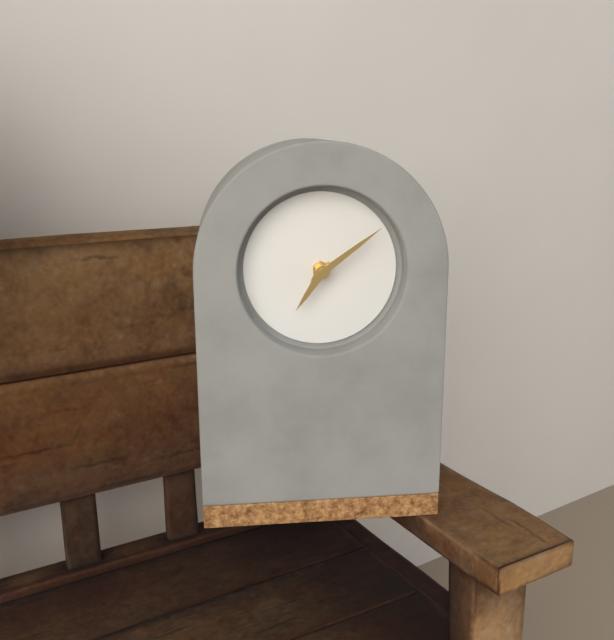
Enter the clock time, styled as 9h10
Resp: 7h09
